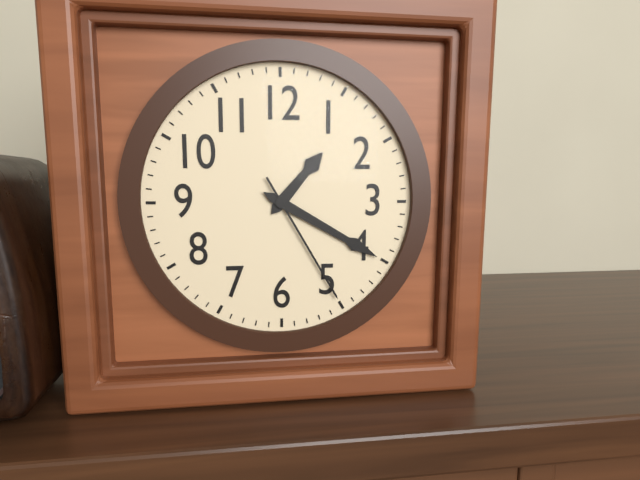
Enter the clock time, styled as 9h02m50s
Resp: 1h20m25s
